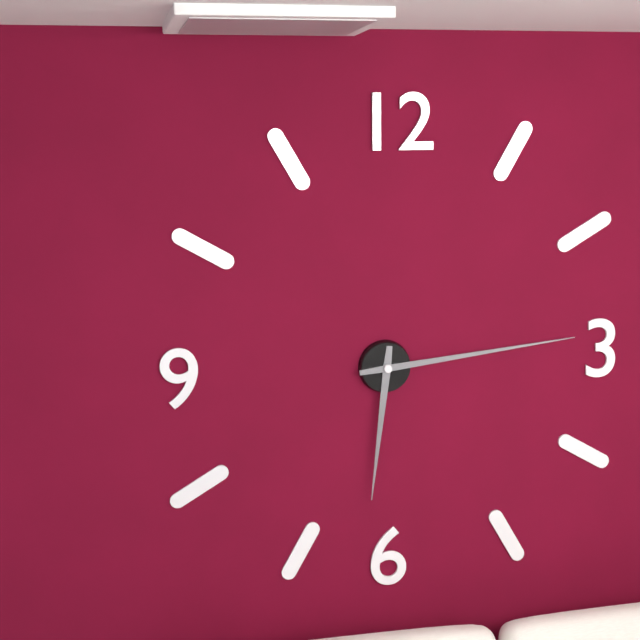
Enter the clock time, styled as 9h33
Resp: 6h14
